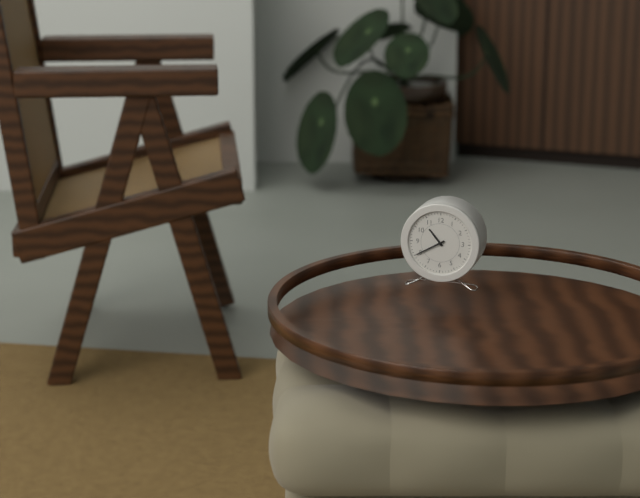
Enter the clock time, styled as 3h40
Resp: 10h40
